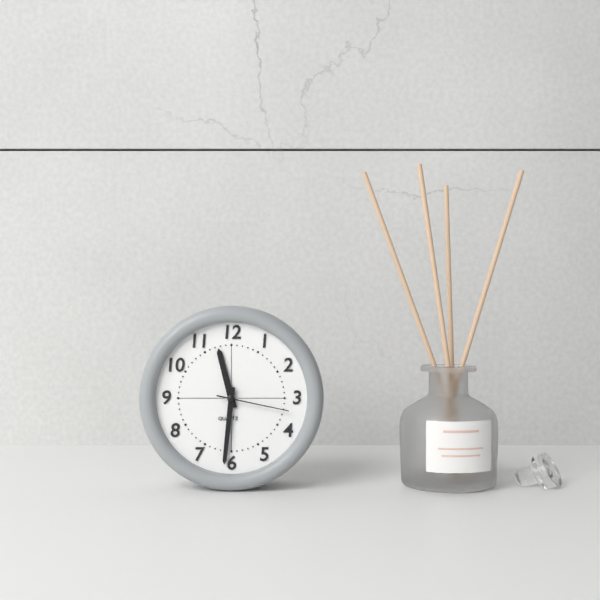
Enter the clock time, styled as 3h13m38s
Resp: 11h31m17s
